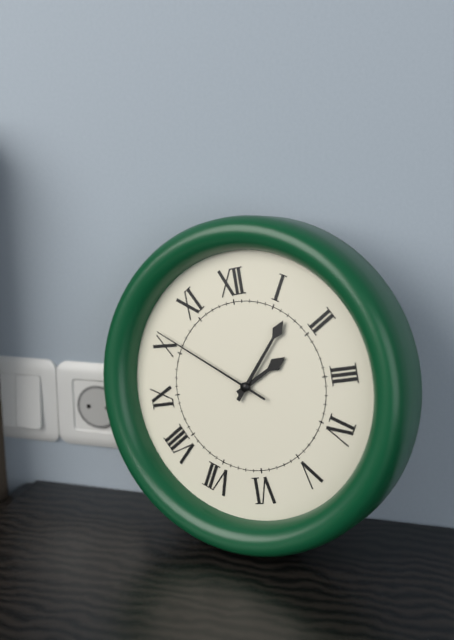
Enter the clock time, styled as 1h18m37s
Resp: 2h07m51s
